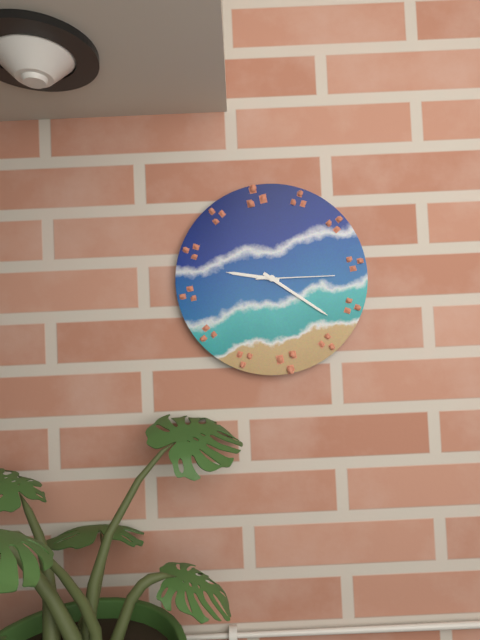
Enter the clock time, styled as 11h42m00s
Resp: 9h21m15s
